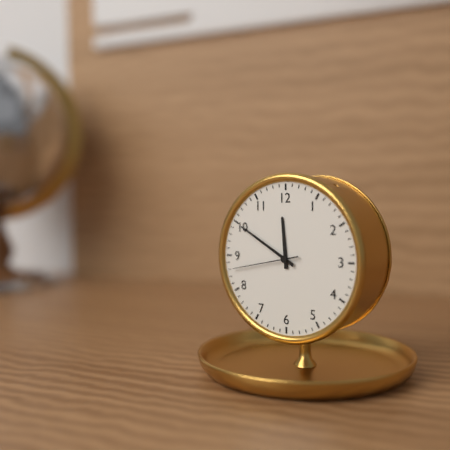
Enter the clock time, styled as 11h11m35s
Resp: 11h50m43s
